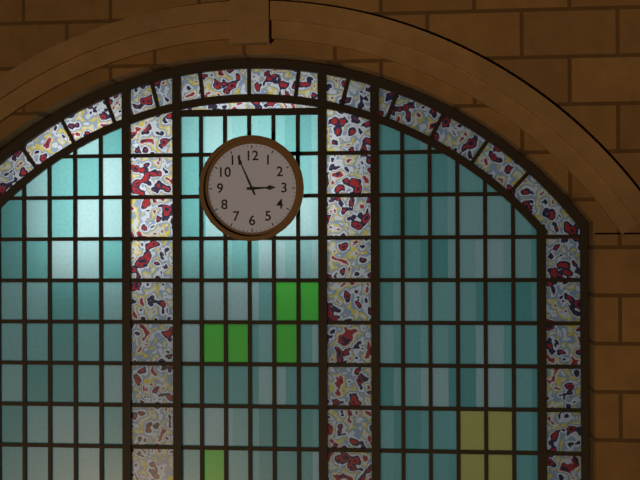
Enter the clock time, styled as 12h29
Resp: 2h56
